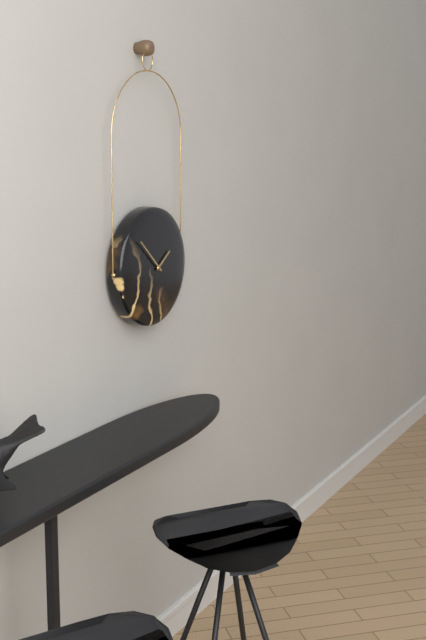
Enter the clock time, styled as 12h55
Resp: 1h52
